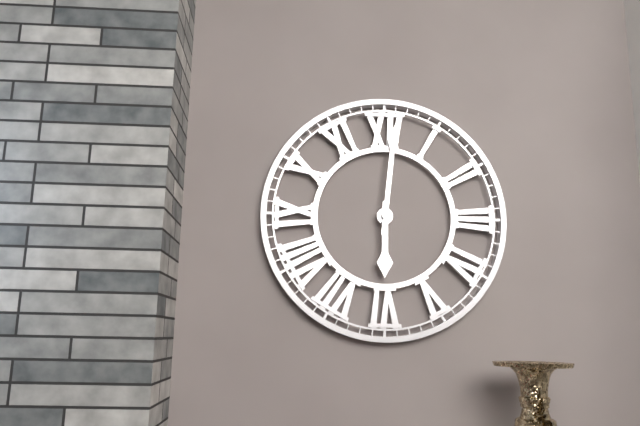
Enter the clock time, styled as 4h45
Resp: 6h01
